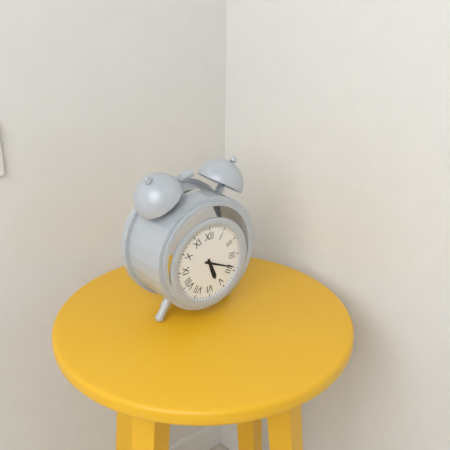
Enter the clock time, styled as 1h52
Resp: 5h19
